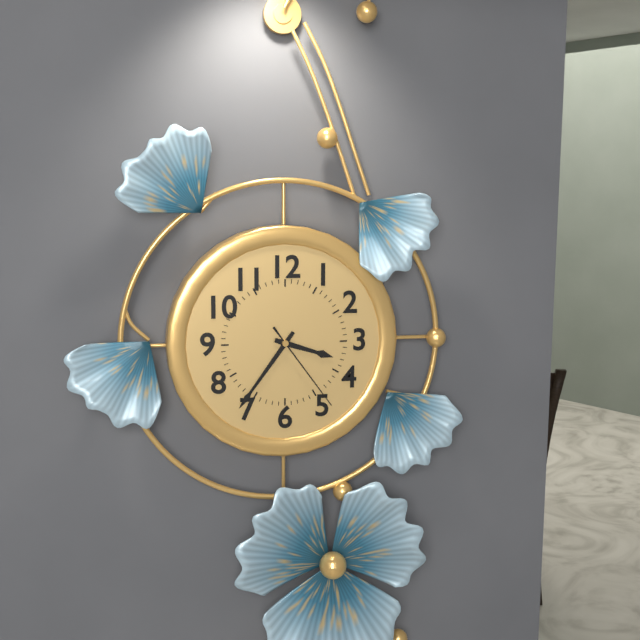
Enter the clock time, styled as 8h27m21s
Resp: 3h36m24s
